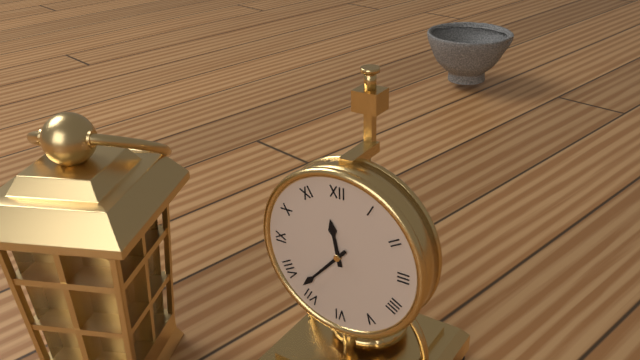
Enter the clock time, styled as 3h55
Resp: 11h37
